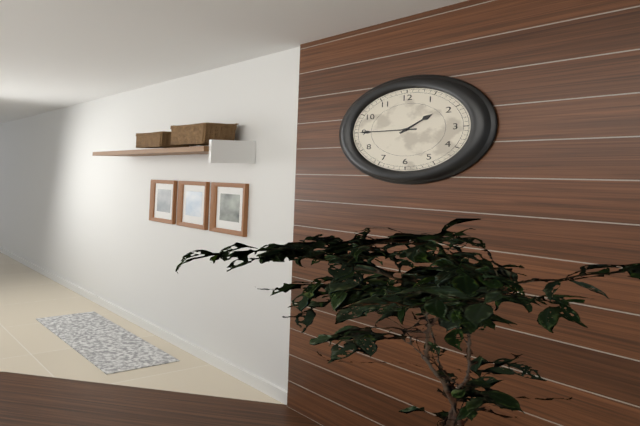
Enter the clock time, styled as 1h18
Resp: 1h45
